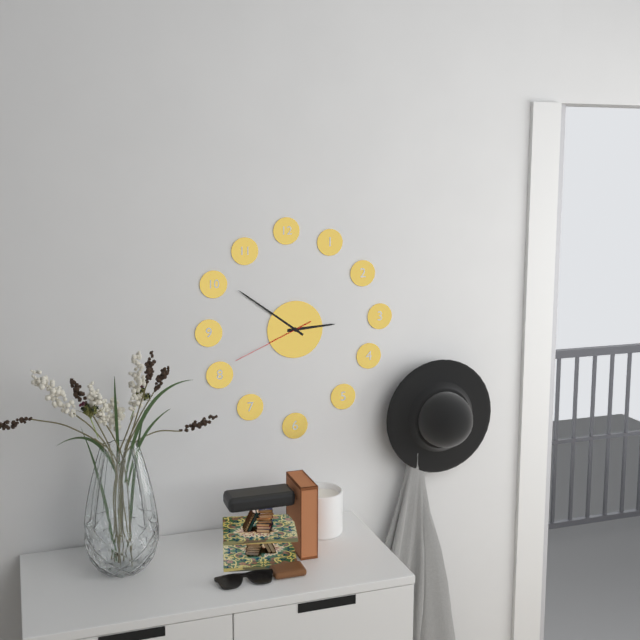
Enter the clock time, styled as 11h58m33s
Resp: 2h51m41s
